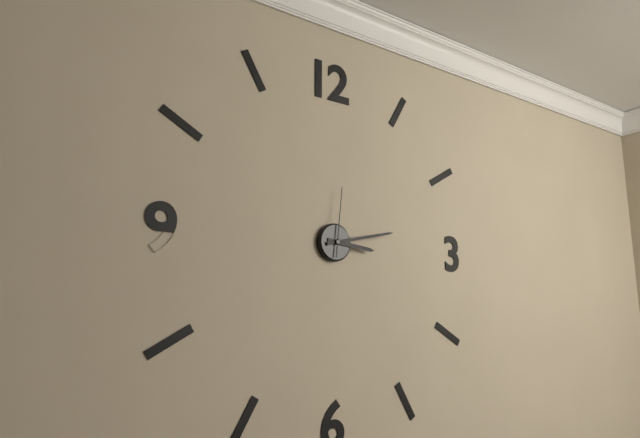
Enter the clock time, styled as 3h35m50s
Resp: 3h13m01s
